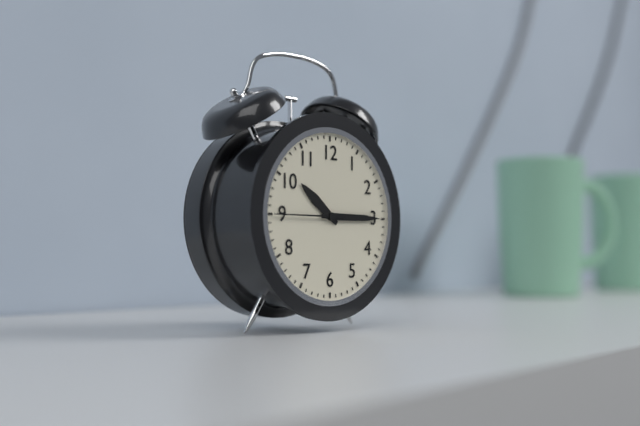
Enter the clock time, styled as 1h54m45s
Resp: 10h15m45s
